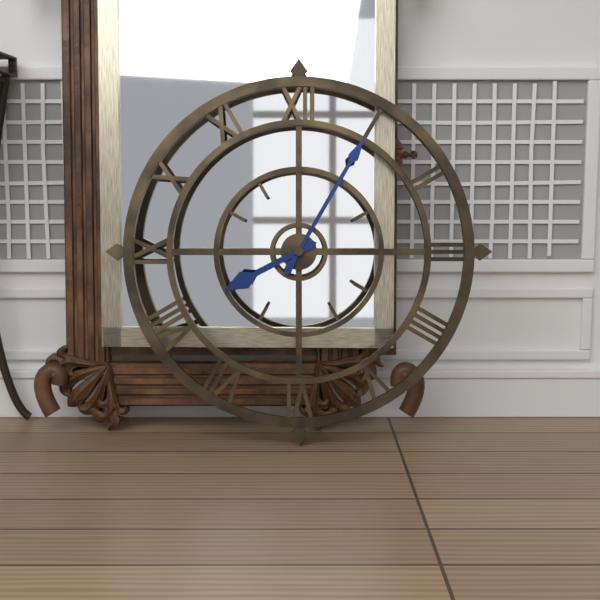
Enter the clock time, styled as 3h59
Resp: 8h05
